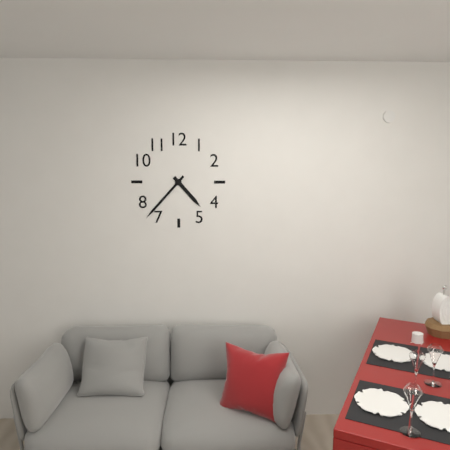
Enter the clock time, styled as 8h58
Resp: 4h37
